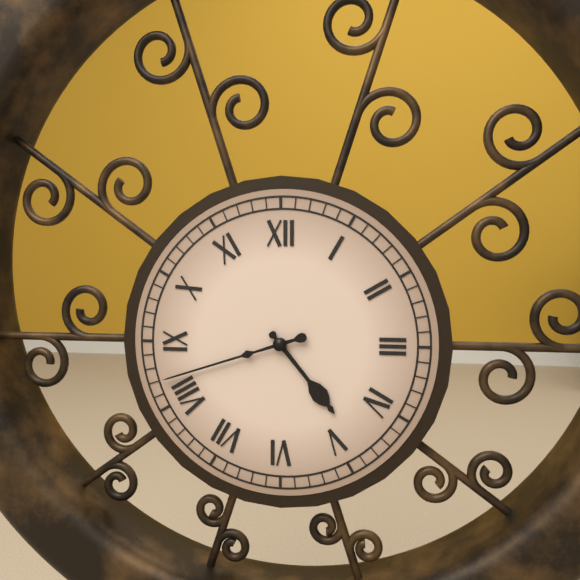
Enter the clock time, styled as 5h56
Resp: 4h42
